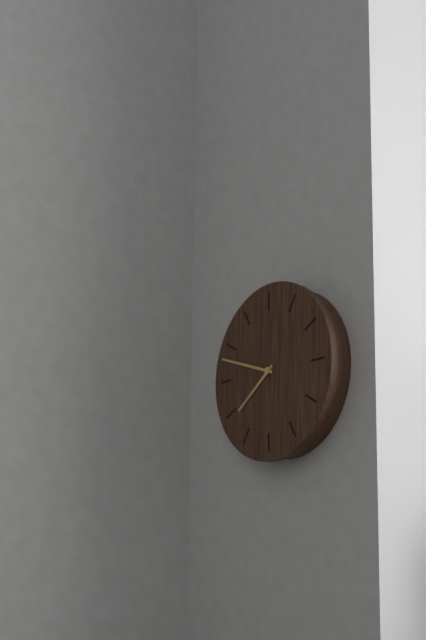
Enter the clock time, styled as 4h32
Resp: 7h48
